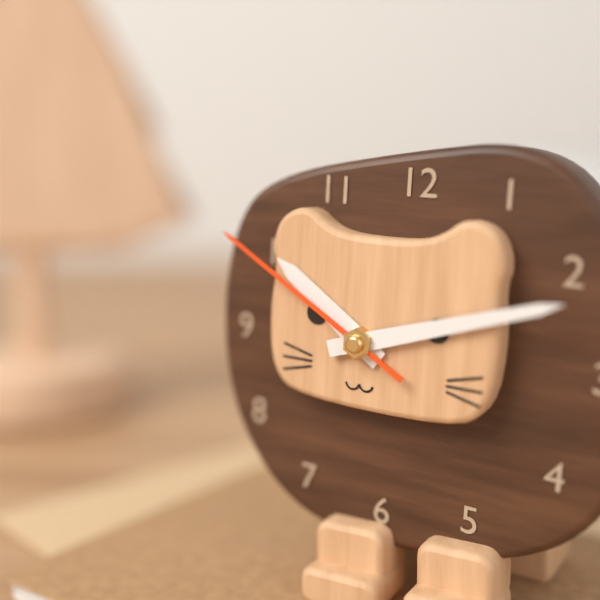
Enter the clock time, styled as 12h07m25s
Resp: 10h12m50s
